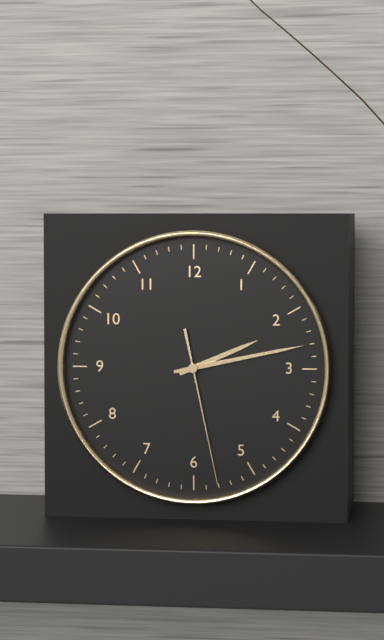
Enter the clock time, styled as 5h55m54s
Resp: 2h13m28s
